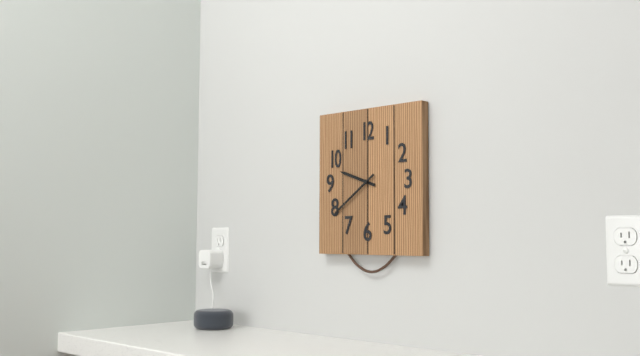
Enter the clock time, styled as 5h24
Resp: 9h39
